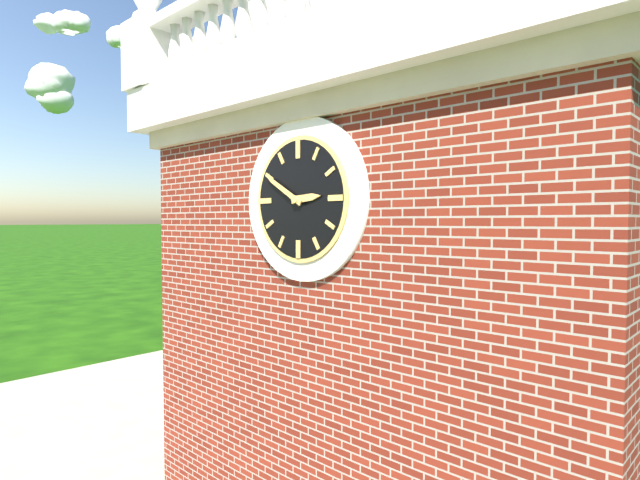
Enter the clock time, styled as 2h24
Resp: 2h50
